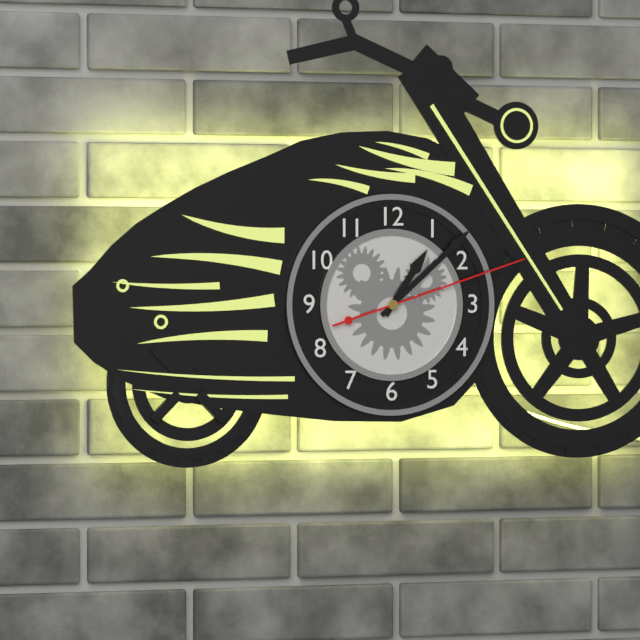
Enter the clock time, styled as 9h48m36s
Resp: 1h08m12s
